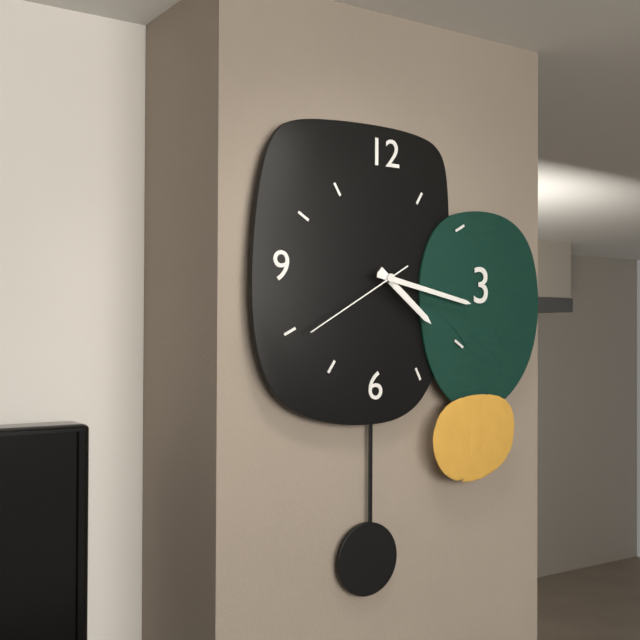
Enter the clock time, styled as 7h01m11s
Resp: 4h17m40s
